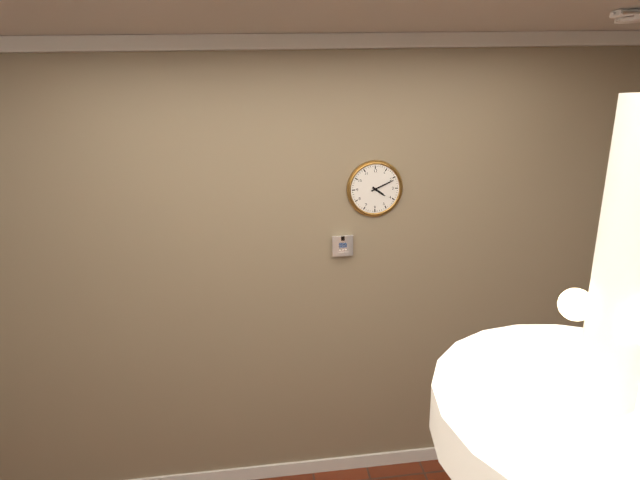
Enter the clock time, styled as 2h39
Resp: 4h11
